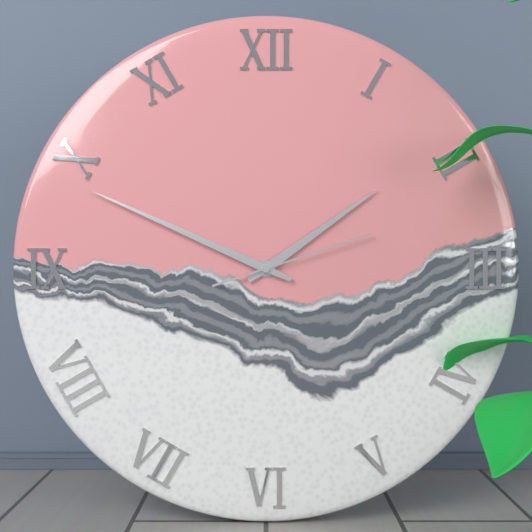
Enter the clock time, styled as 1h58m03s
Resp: 1h49m12s
